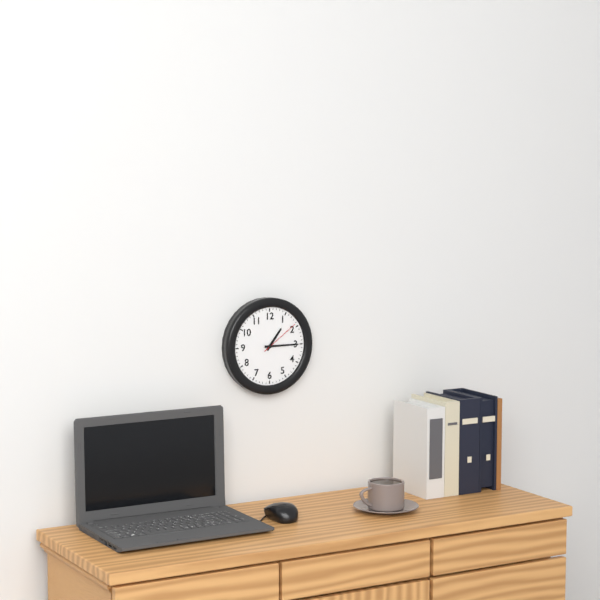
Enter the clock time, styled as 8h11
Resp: 1h15
